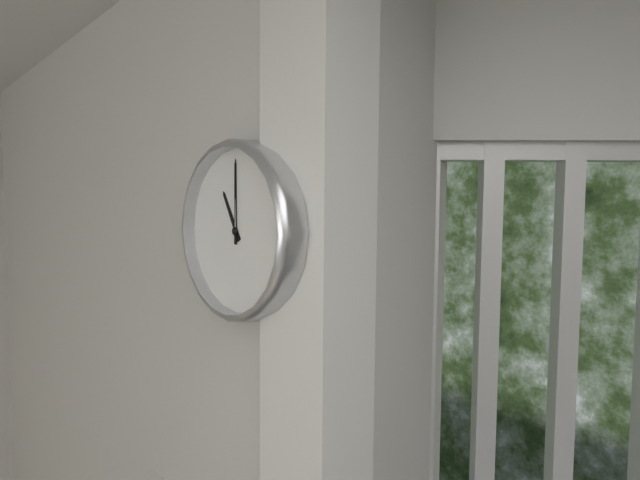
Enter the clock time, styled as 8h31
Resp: 11h00
